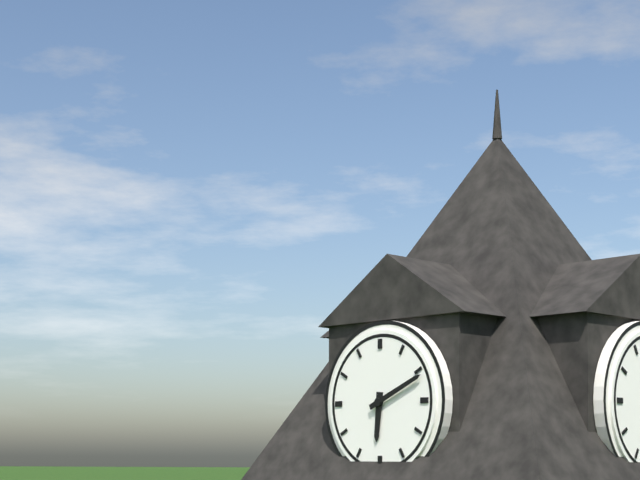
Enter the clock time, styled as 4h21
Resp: 6h11
